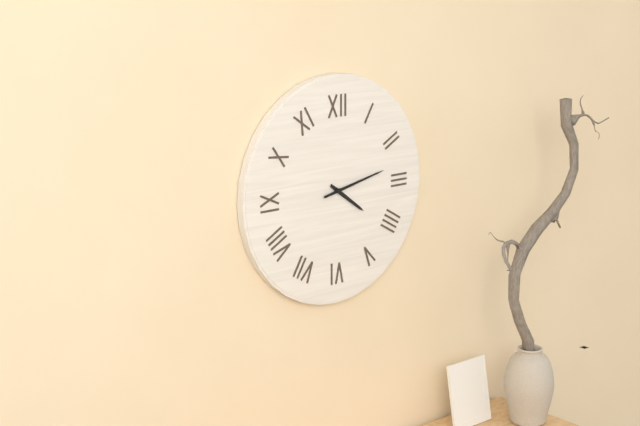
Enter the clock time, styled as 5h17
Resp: 4h13
